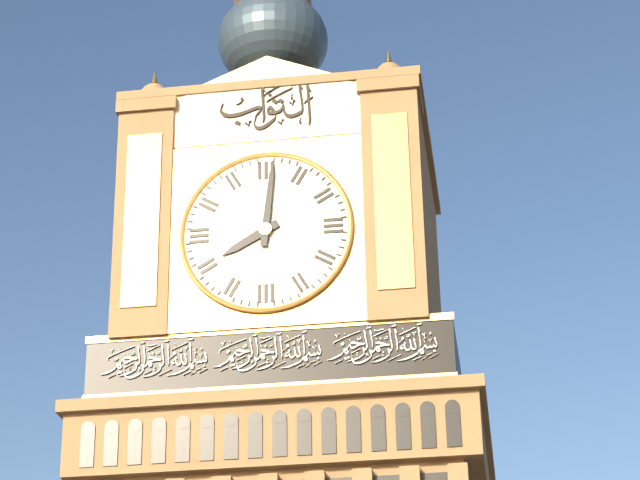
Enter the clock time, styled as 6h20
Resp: 8h01
